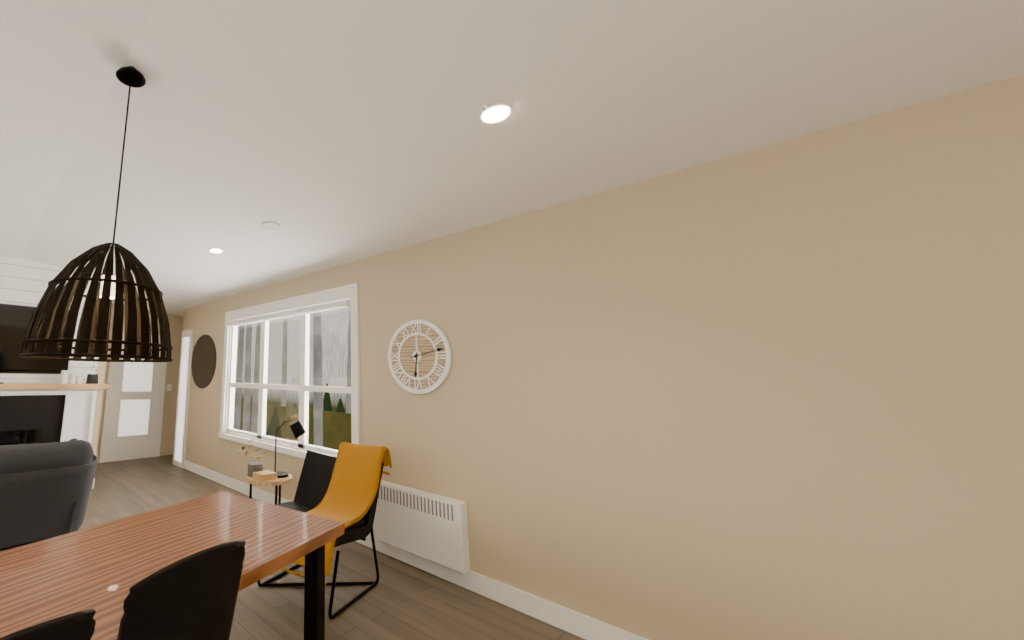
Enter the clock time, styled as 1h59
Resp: 6h13
